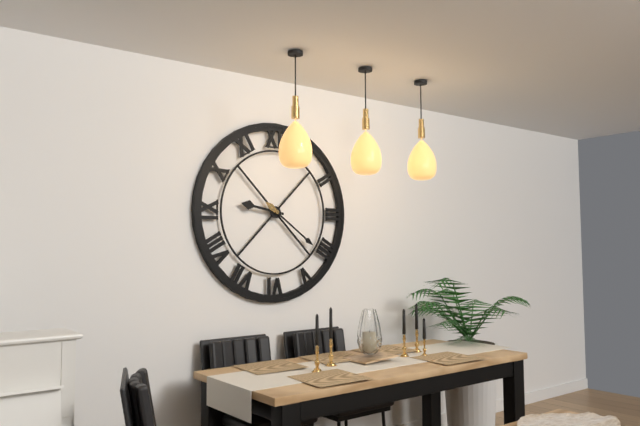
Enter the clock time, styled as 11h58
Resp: 9h21
